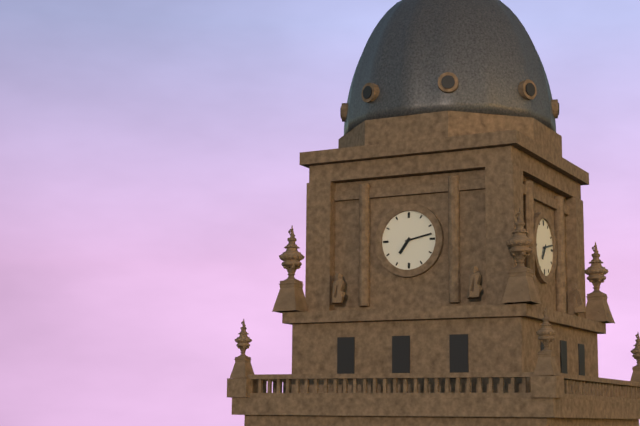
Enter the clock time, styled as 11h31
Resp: 7h13
